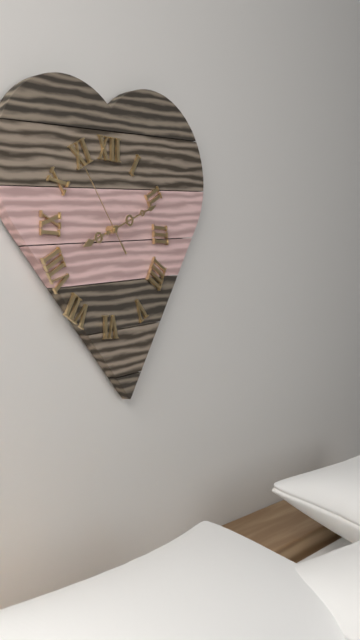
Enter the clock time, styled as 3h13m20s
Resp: 8h11m54s
